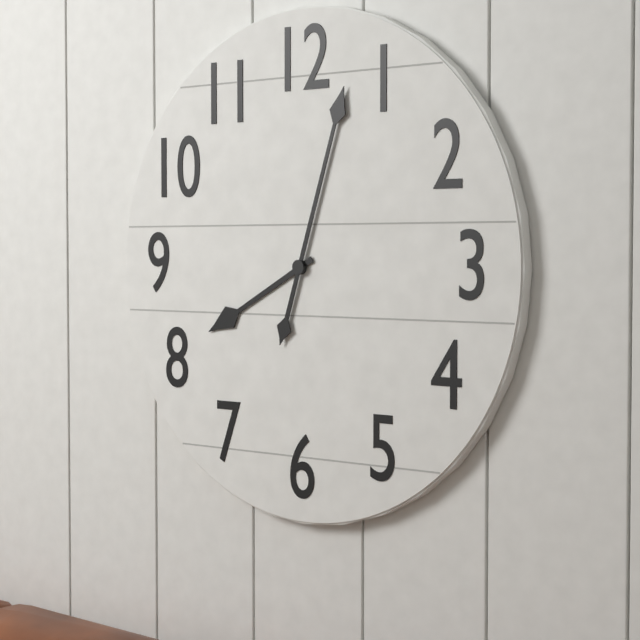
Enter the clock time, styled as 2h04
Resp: 8h03
